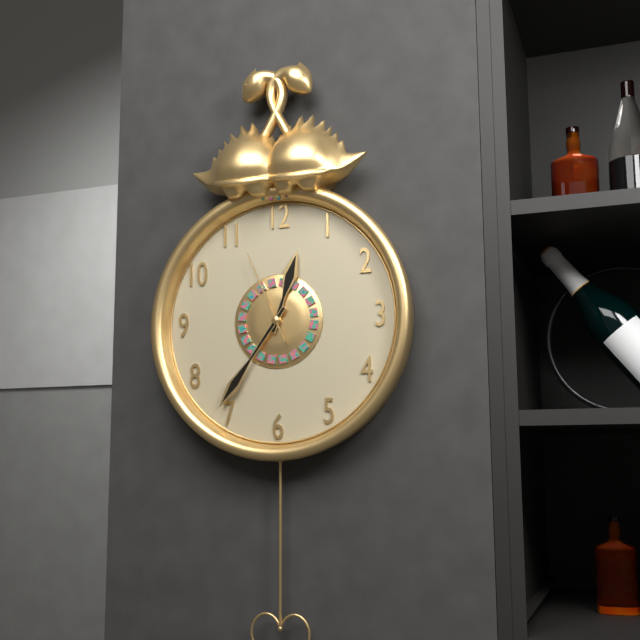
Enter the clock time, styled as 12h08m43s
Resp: 12h36m56s
